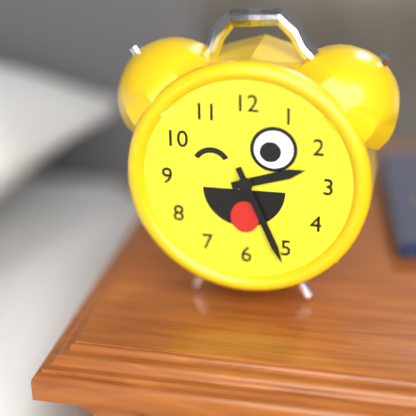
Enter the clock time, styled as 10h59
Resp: 2h26
